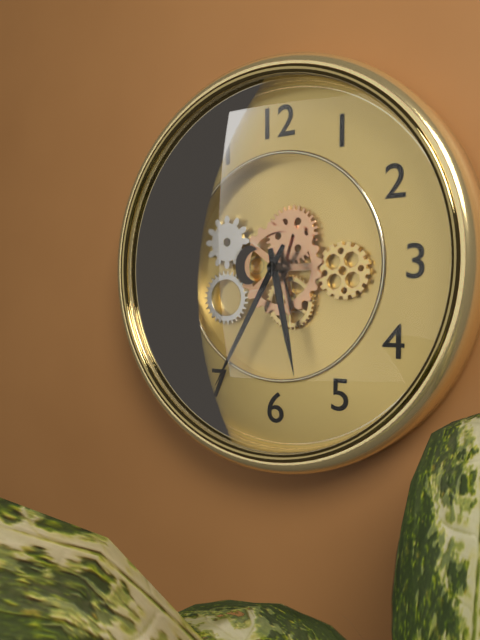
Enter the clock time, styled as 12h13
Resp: 5h35
